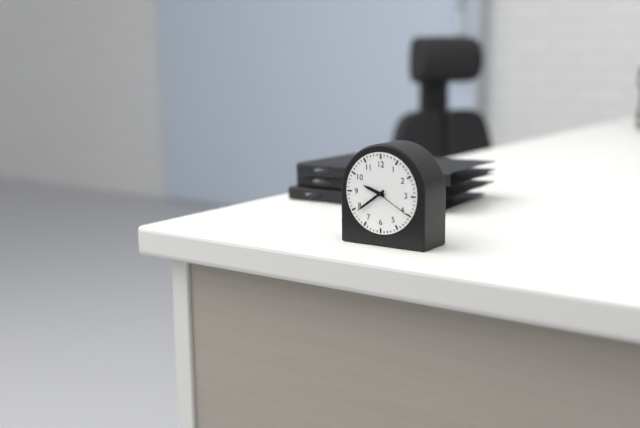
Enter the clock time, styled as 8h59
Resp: 9h39
